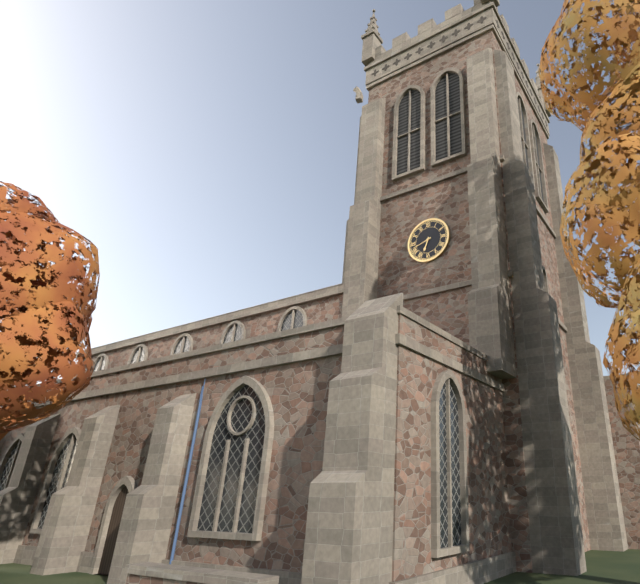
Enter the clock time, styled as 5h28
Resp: 6h42
